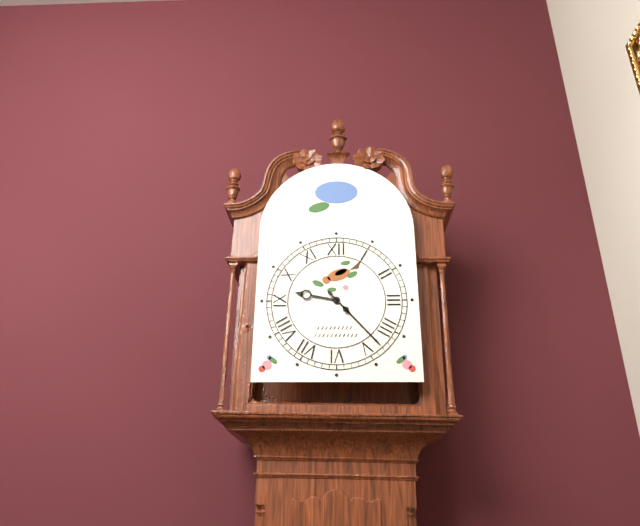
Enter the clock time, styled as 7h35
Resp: 9h23
